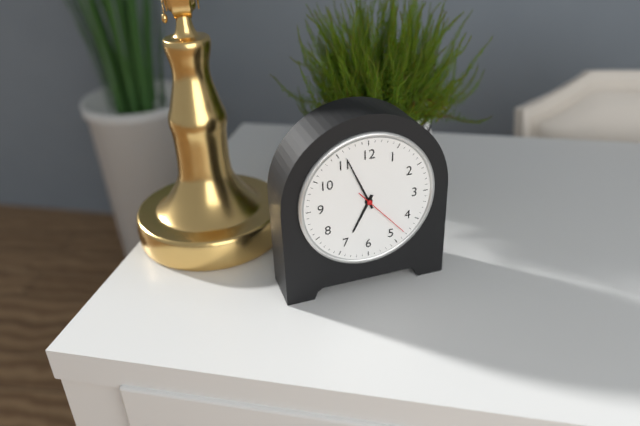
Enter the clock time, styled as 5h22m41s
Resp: 6h56m23s
